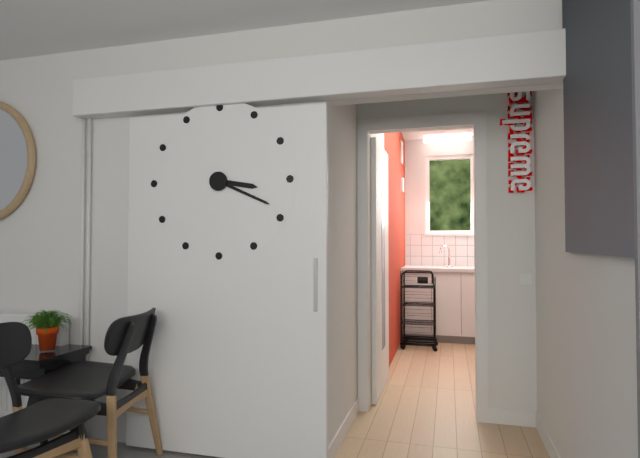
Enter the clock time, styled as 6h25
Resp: 3h19
